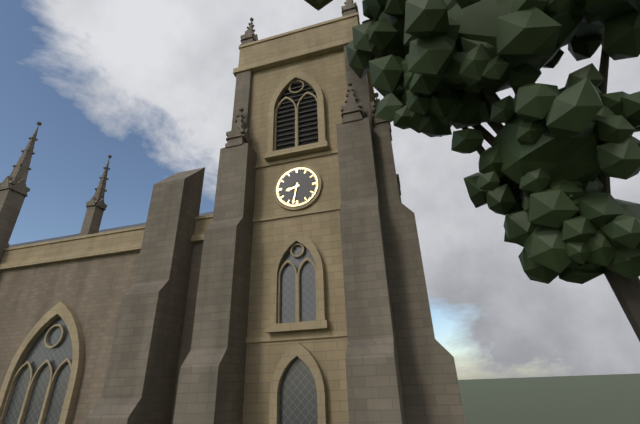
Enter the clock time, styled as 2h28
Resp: 8h32
